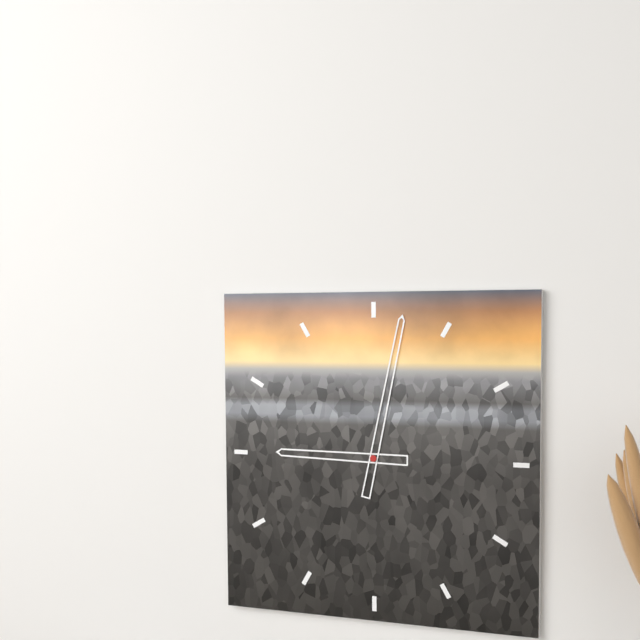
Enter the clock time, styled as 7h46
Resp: 9h02
